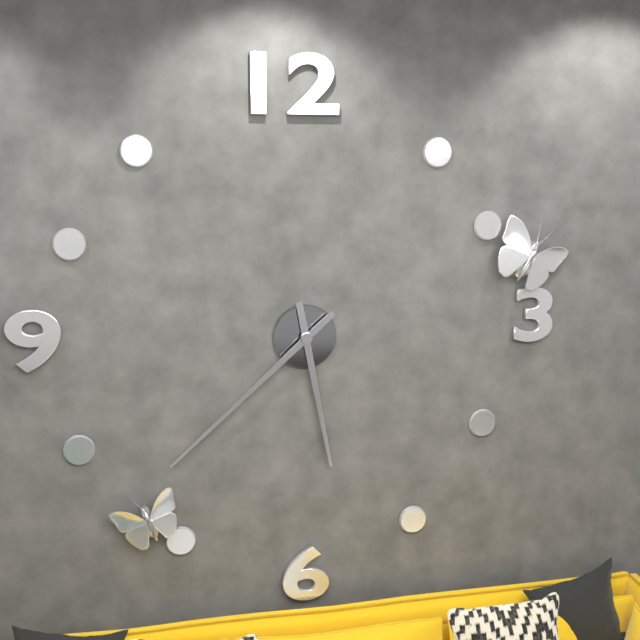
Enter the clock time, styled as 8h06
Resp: 5h38
